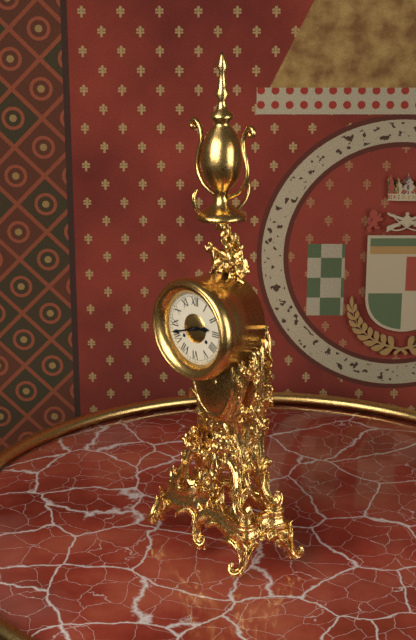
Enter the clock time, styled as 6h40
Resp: 2h42
